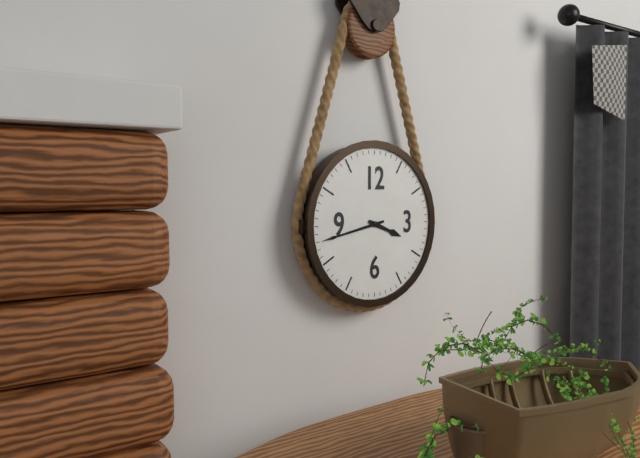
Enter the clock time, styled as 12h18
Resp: 3h43
